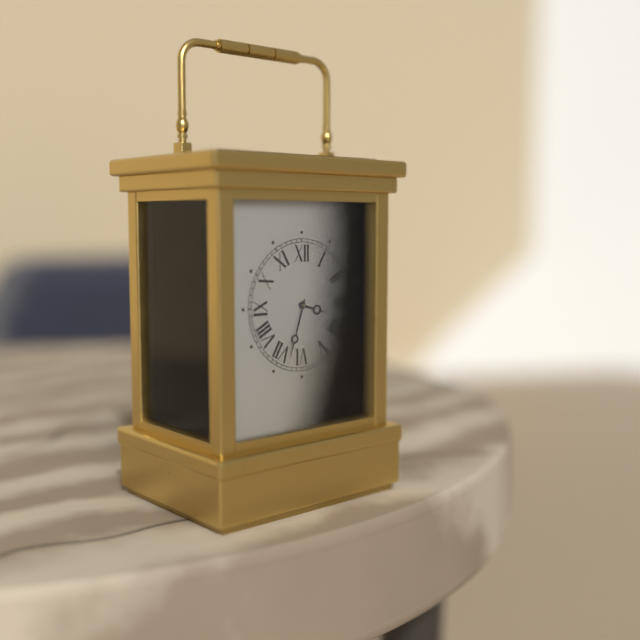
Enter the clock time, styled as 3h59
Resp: 3h33
